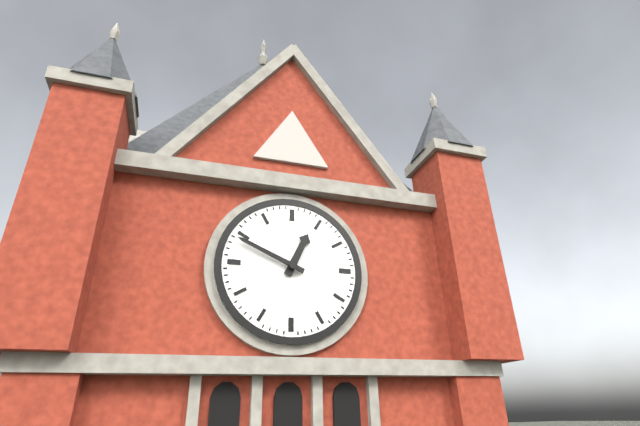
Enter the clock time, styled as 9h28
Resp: 12h49
